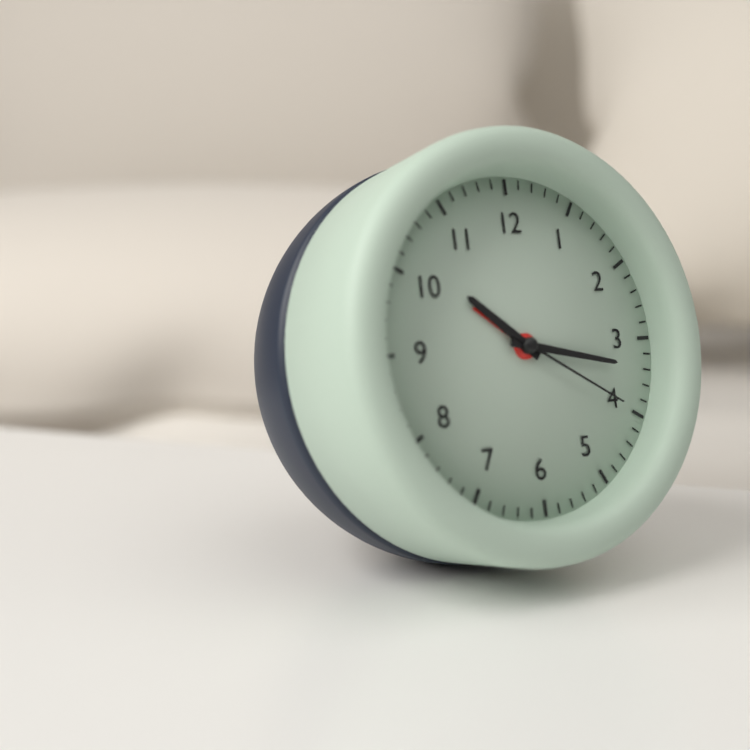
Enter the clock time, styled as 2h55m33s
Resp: 10h17m20s
